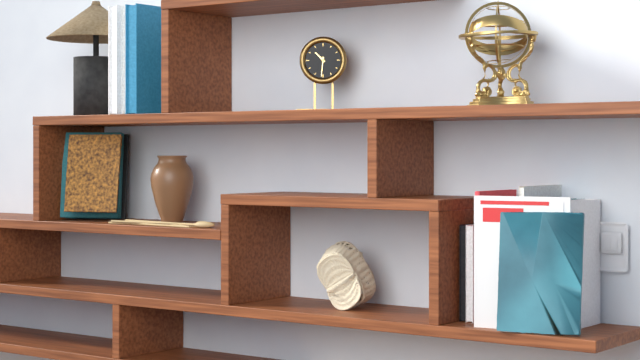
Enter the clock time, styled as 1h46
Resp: 10h31
